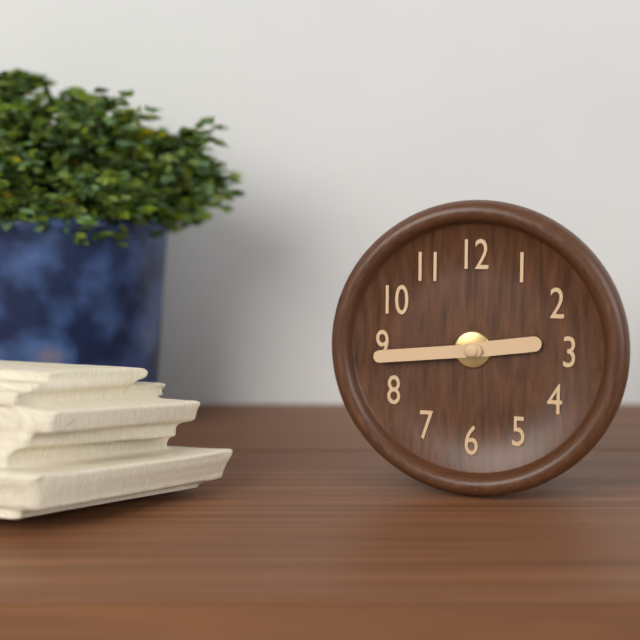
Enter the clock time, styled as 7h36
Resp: 2h44
